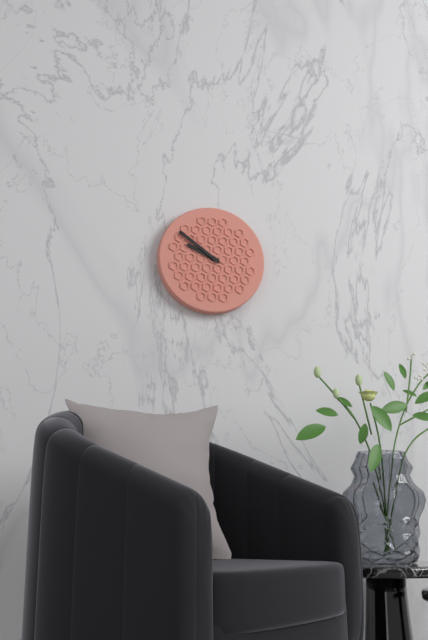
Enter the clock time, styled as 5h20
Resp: 9h51
